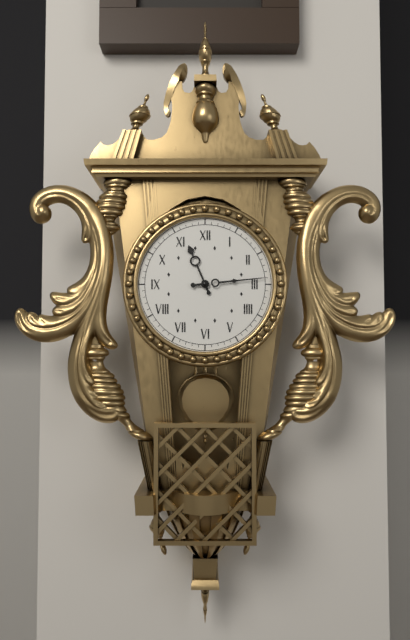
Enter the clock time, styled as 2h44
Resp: 11h14
